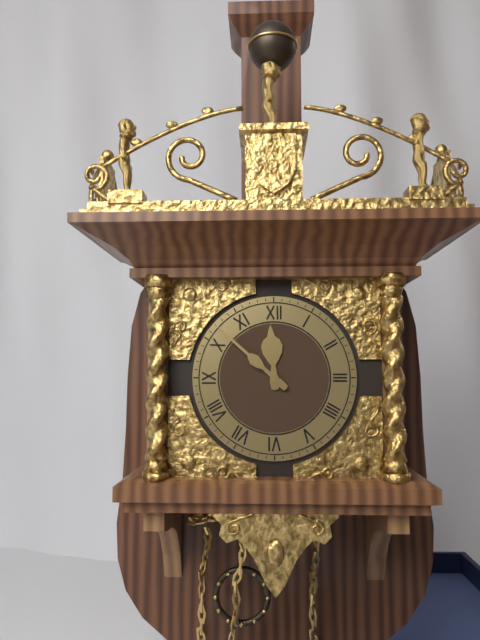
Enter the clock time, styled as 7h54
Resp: 11h52
